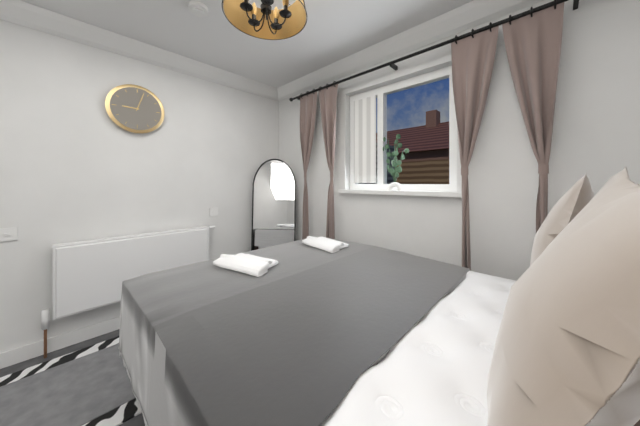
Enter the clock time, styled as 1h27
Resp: 9h03
